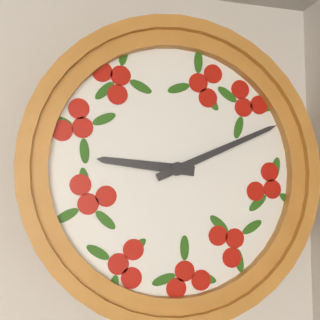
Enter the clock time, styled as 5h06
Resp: 9h11
